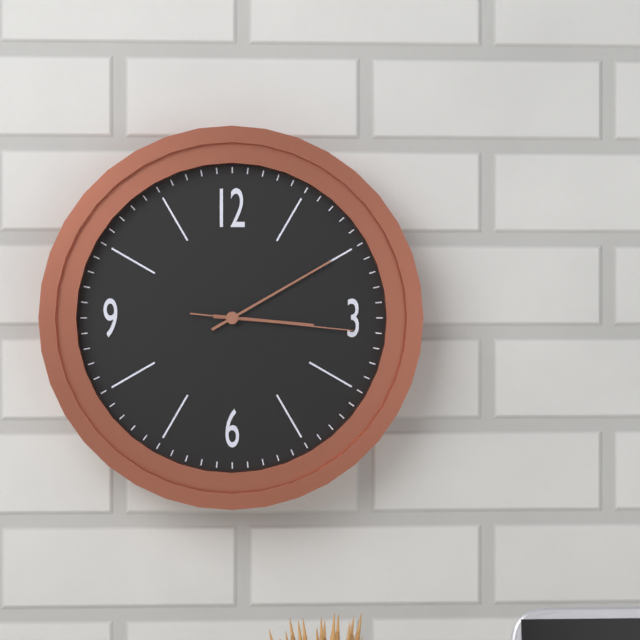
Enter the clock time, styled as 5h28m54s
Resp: 3h10m16s
